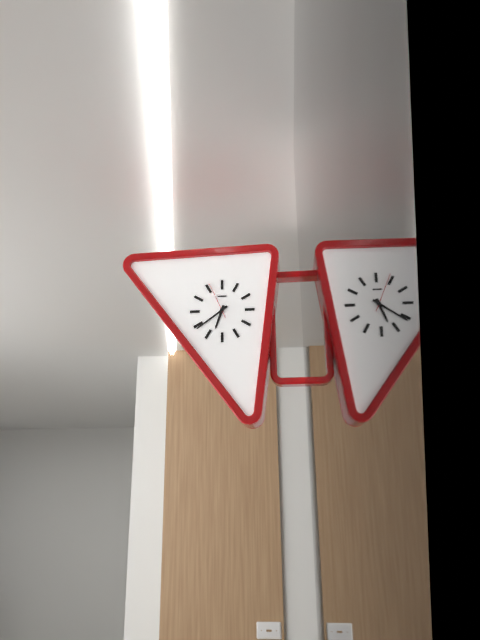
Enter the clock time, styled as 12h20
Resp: 6h39
